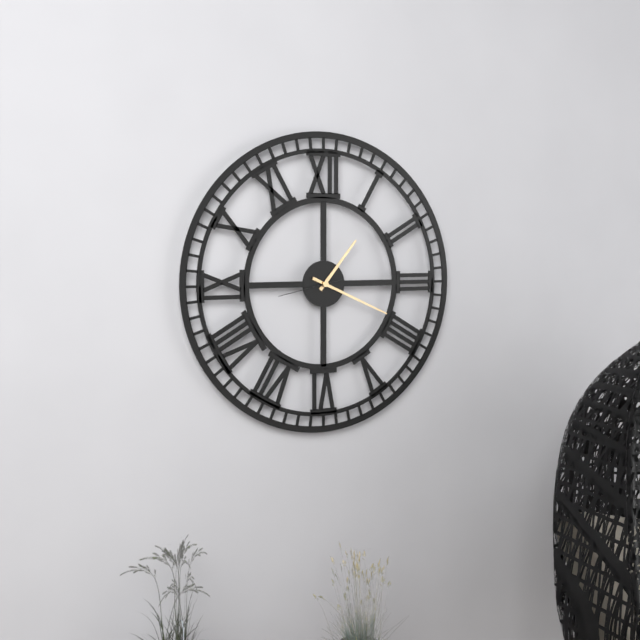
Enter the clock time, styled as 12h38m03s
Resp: 1h19m43s
